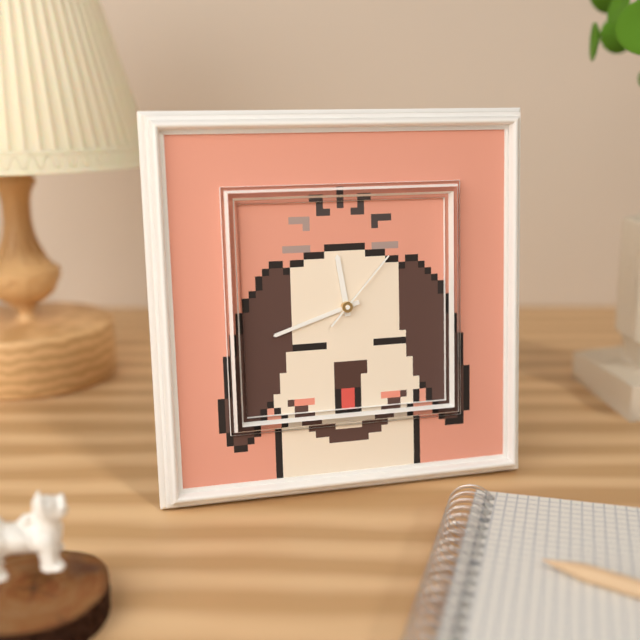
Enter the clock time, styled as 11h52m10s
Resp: 11h42m07s
